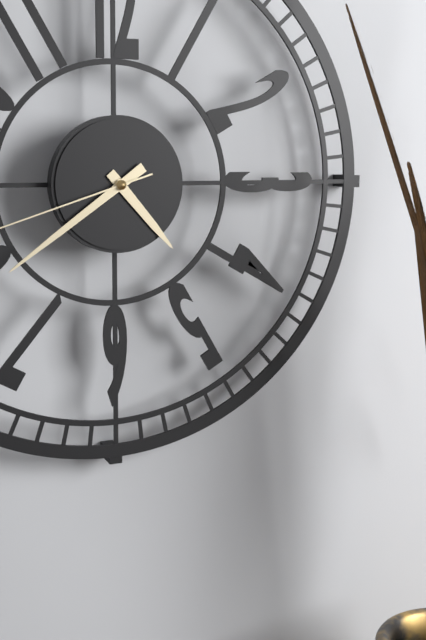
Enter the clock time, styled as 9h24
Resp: 4h39
